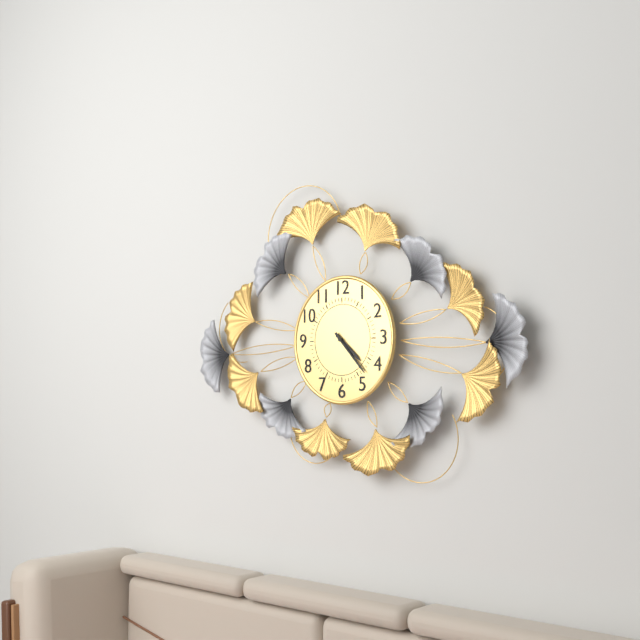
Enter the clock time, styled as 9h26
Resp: 4h23
